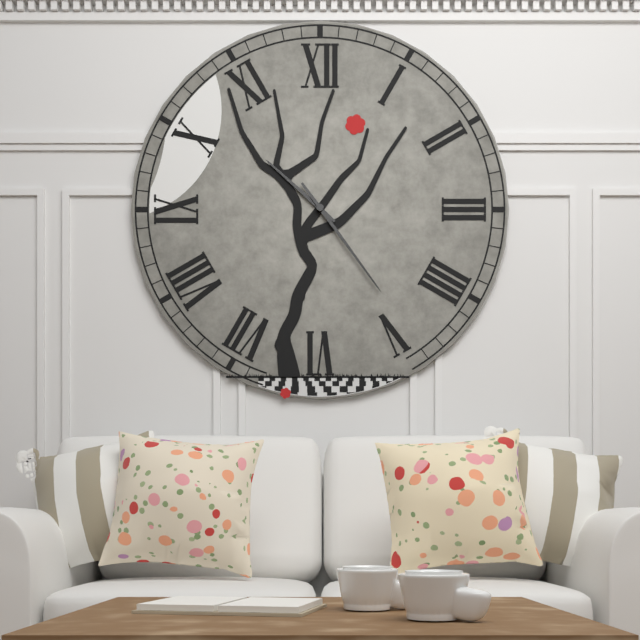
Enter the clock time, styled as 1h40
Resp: 10h24
